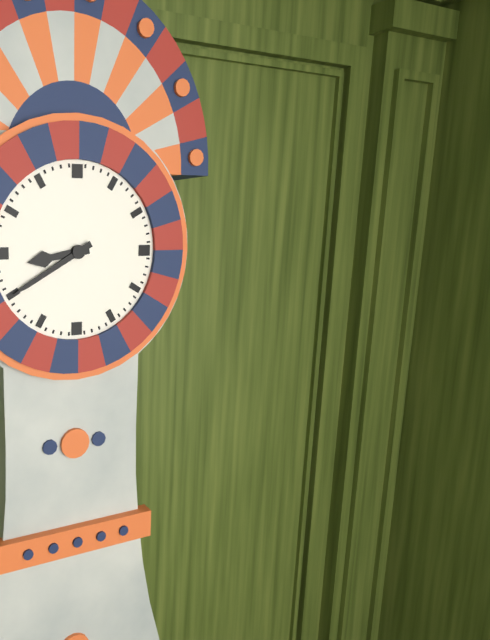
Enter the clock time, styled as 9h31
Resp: 8h40
